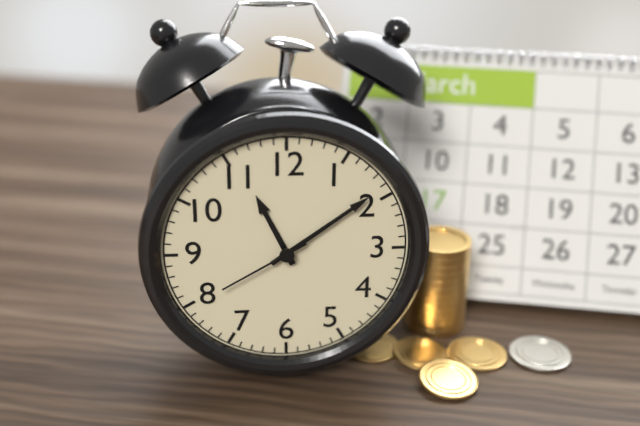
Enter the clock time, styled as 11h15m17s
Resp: 11h09m40s
